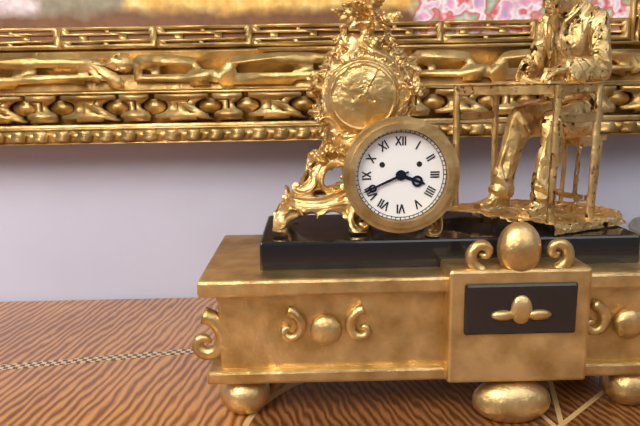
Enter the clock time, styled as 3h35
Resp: 3h41
